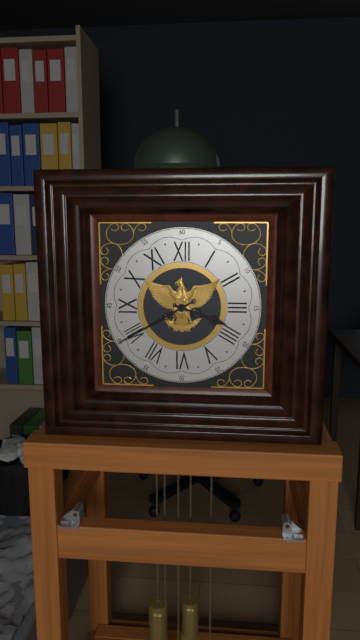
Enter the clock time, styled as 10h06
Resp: 3h40
